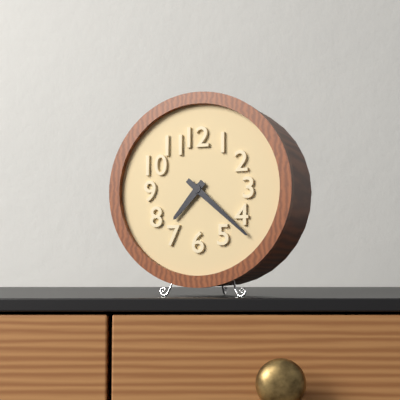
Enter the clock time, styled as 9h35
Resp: 7h22
